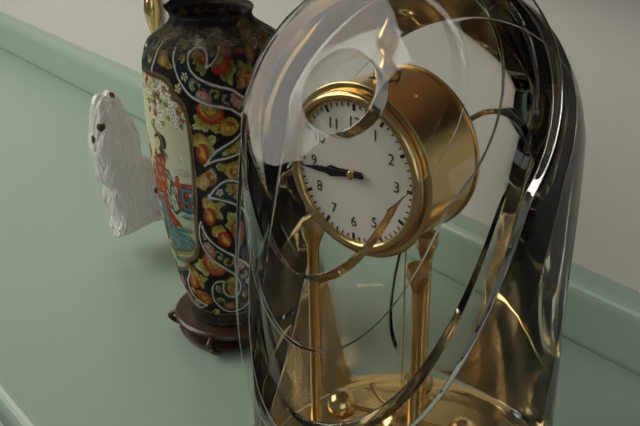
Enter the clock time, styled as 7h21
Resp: 8h44
